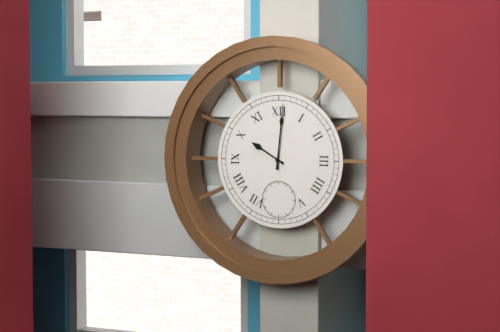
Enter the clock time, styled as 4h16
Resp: 10h01
